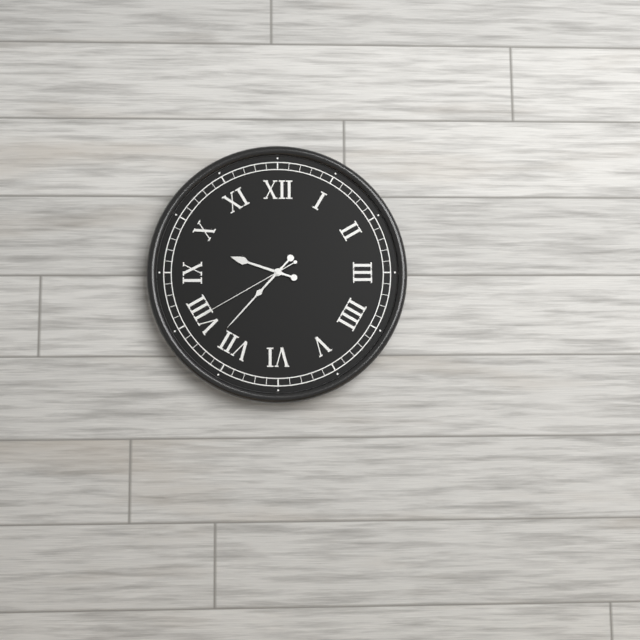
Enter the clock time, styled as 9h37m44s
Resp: 9h37m40s
